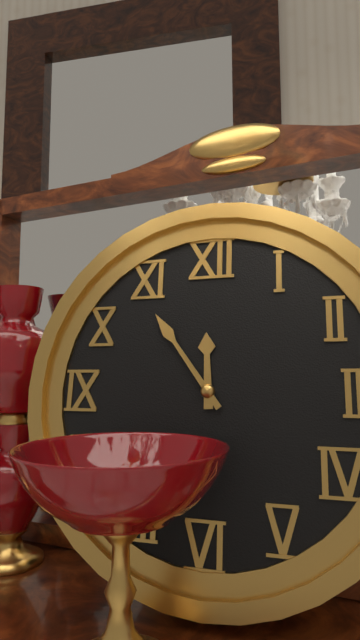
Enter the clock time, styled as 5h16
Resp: 11h54
